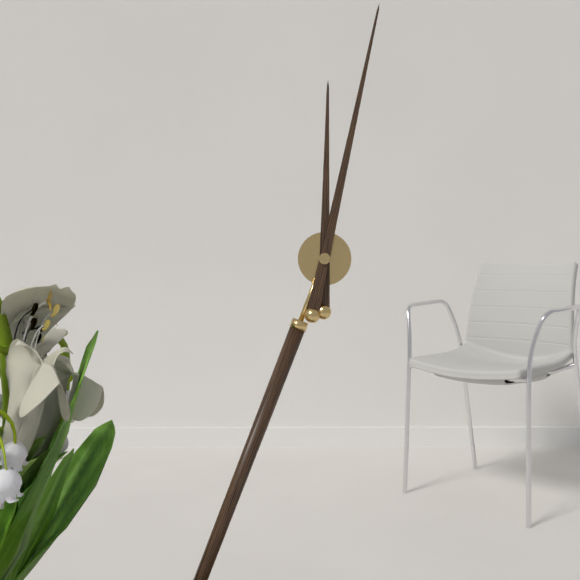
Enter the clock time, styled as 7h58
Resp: 12h02
